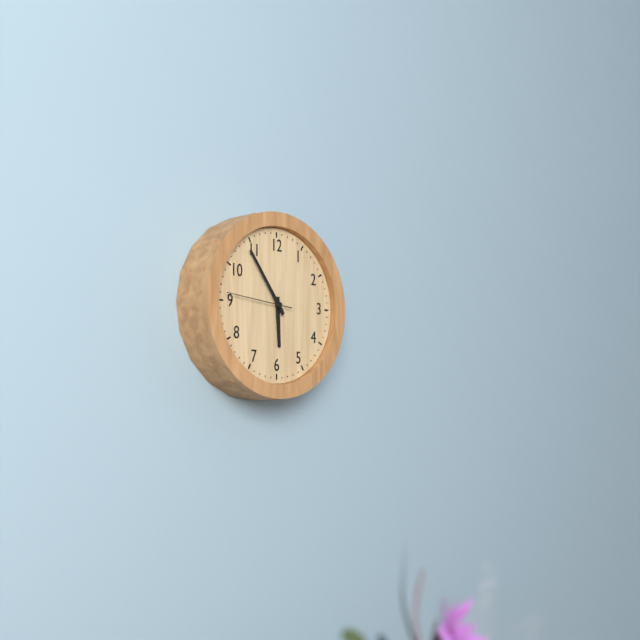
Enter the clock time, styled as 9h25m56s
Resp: 5h54m46s
